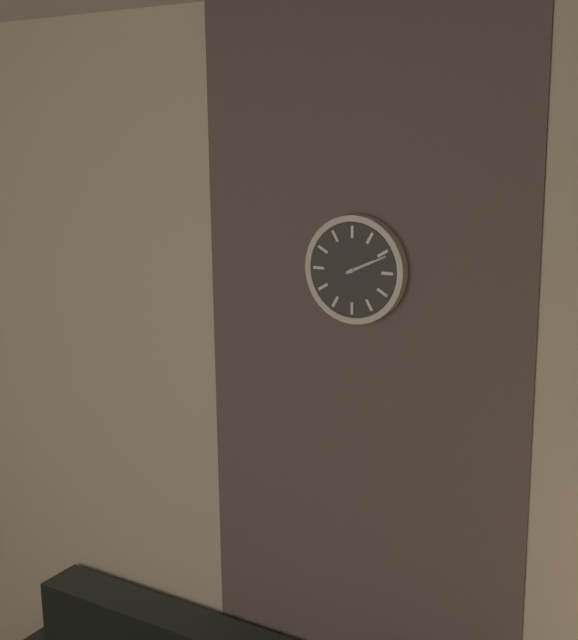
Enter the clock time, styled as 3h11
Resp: 2h11
